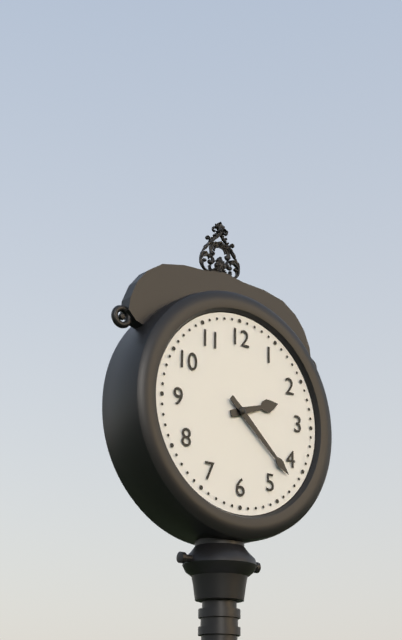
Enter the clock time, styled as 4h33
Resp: 2h22
